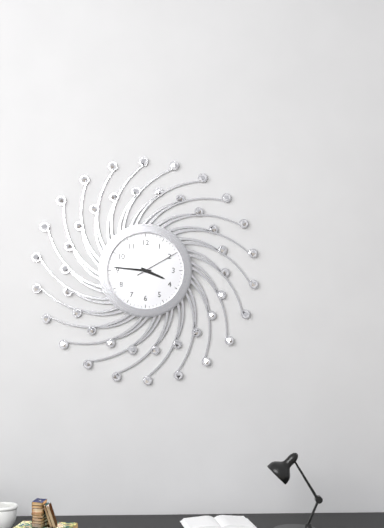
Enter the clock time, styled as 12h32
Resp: 3h46
